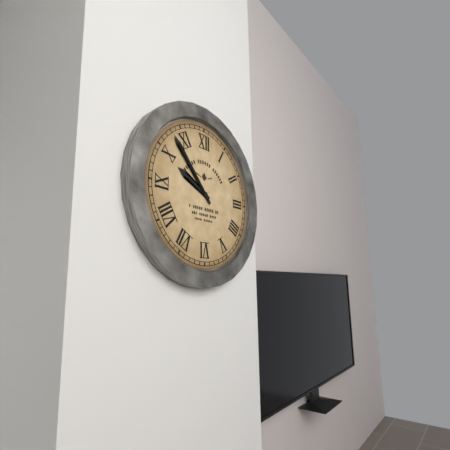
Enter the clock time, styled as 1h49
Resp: 9h53
